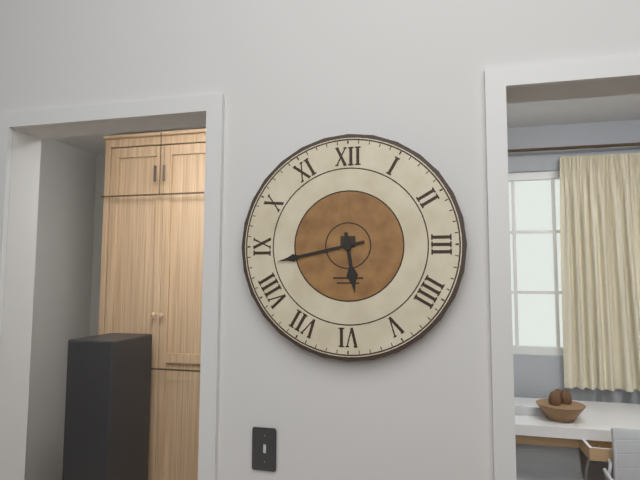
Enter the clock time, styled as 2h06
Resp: 5h43
